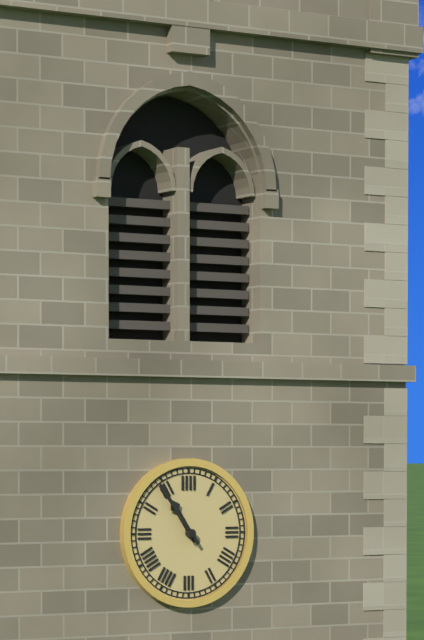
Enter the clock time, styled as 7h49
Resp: 10h54
